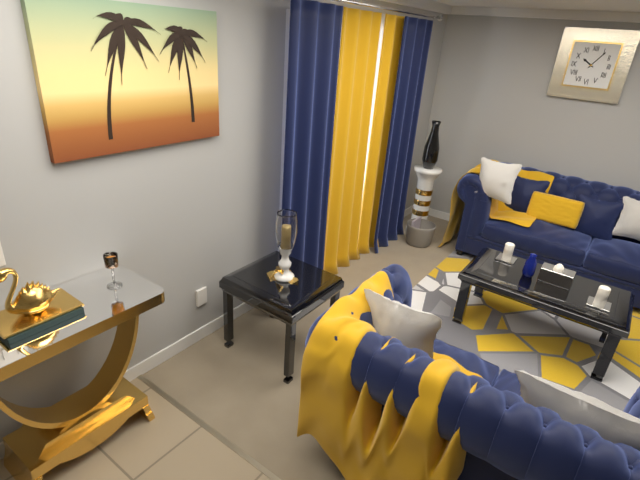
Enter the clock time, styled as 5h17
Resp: 10h06
